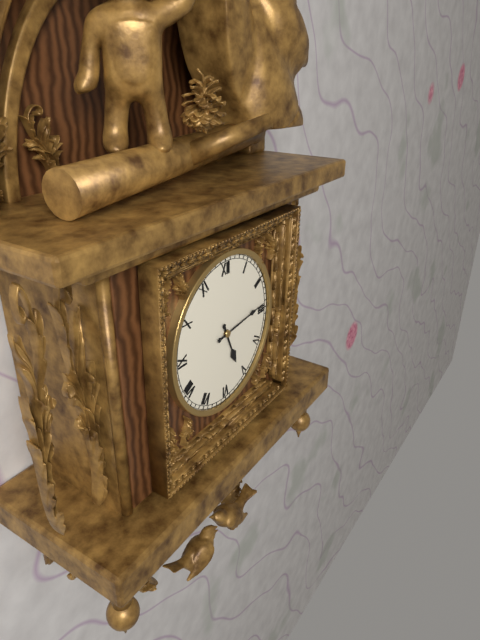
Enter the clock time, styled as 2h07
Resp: 5h14
